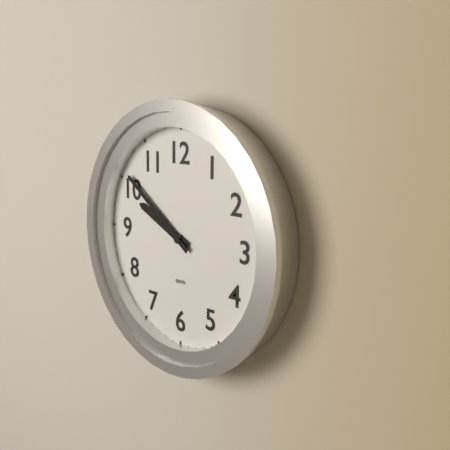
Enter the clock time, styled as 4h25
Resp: 9h51
